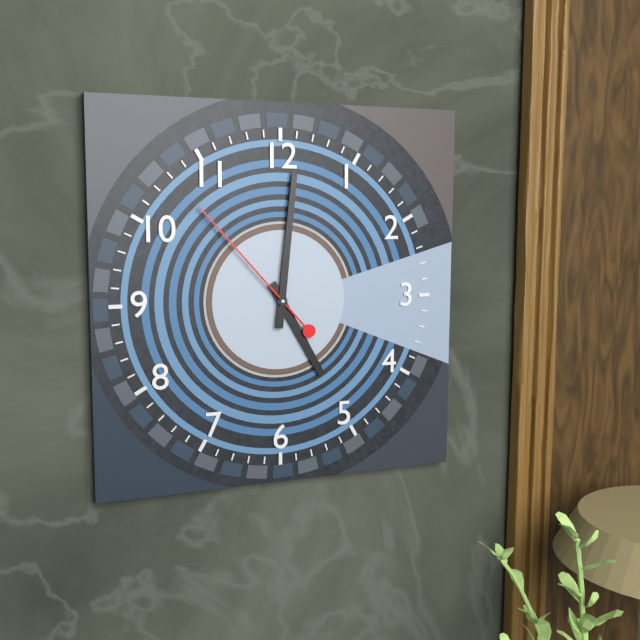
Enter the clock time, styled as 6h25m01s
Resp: 5h01m53s
